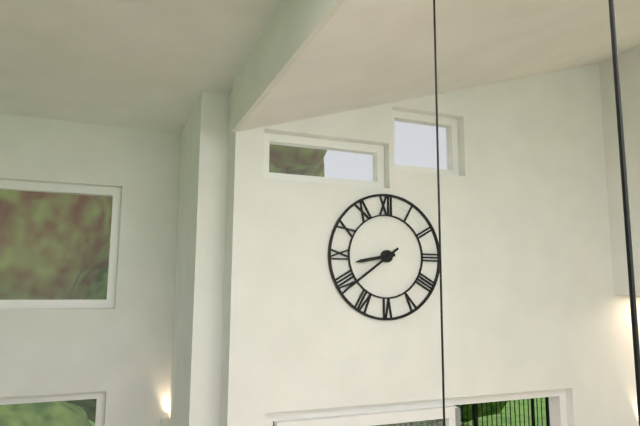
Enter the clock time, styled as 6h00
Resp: 8h39
